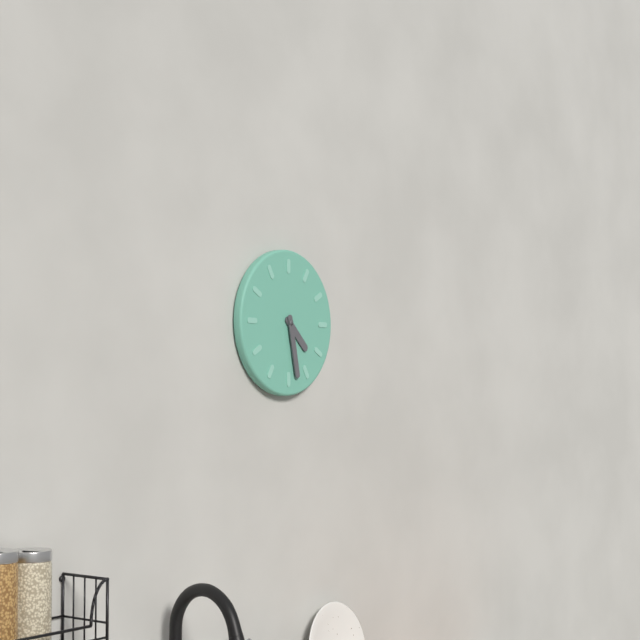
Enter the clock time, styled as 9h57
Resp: 4h28
